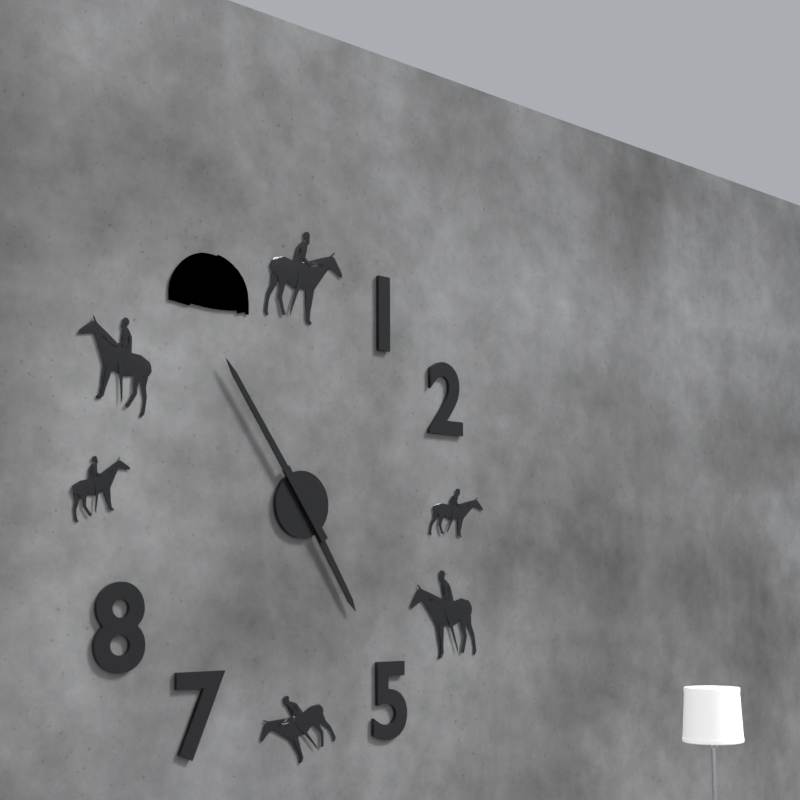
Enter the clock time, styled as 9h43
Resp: 4h54
